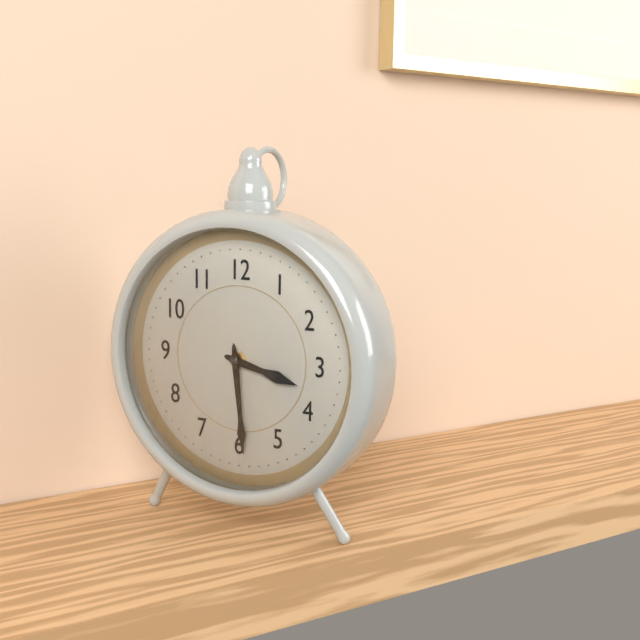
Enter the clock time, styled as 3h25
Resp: 3h29
